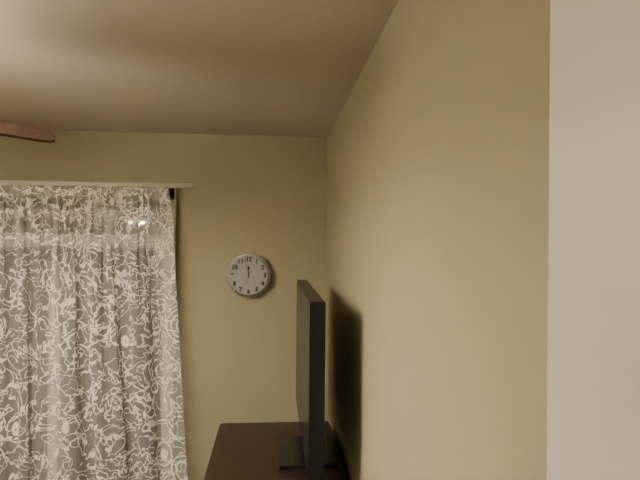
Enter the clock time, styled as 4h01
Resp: 11h58
